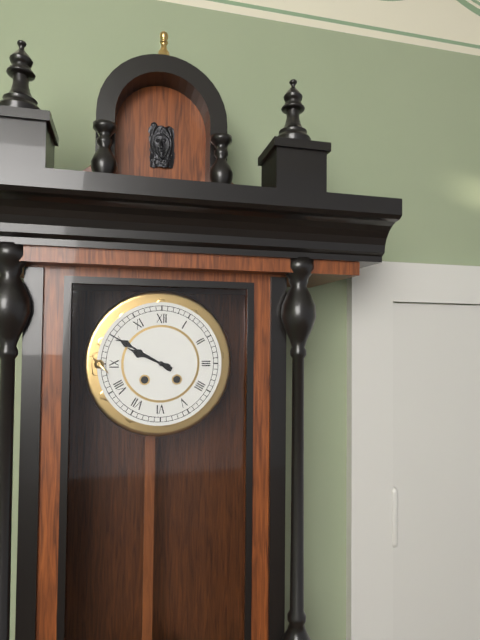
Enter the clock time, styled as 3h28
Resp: 9h50
